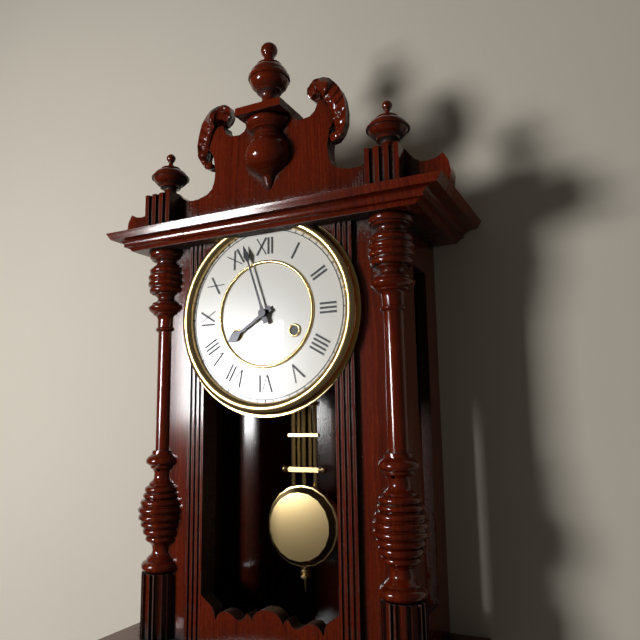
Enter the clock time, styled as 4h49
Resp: 7h57
